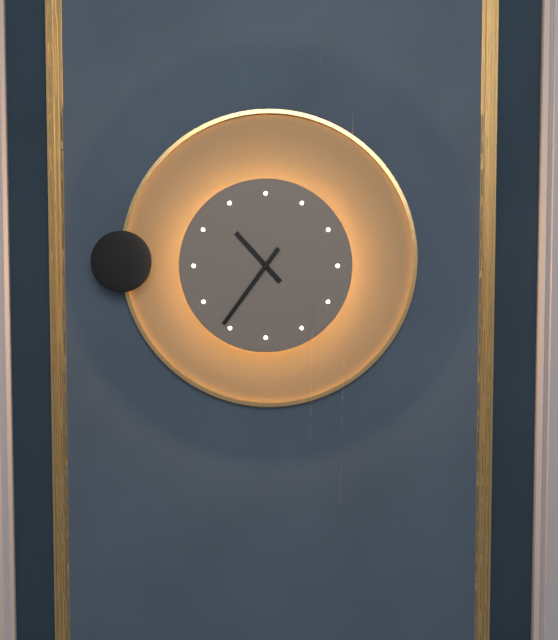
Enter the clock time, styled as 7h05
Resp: 10h36
